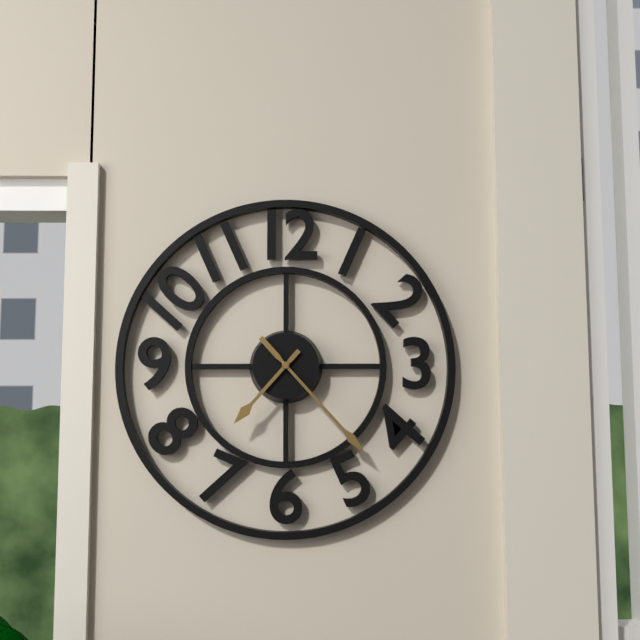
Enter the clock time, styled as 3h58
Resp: 7h23
